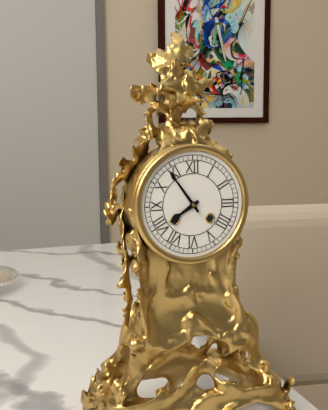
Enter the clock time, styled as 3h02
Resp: 7h54
